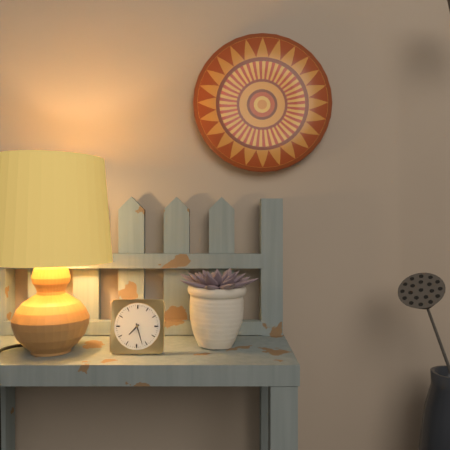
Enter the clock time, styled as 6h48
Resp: 7h27
